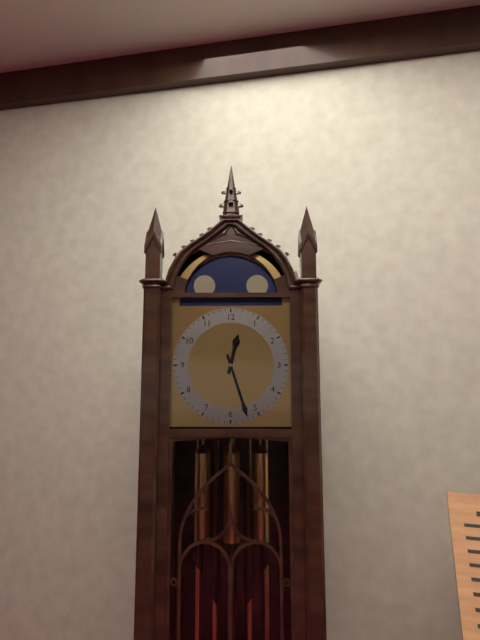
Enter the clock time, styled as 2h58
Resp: 12h27
